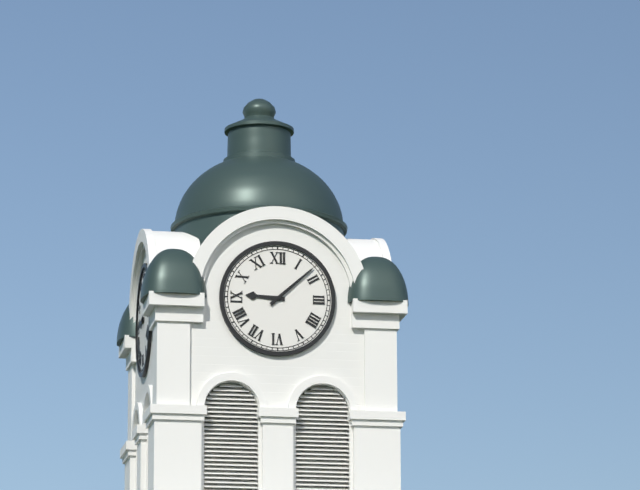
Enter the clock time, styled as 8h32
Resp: 9h08
